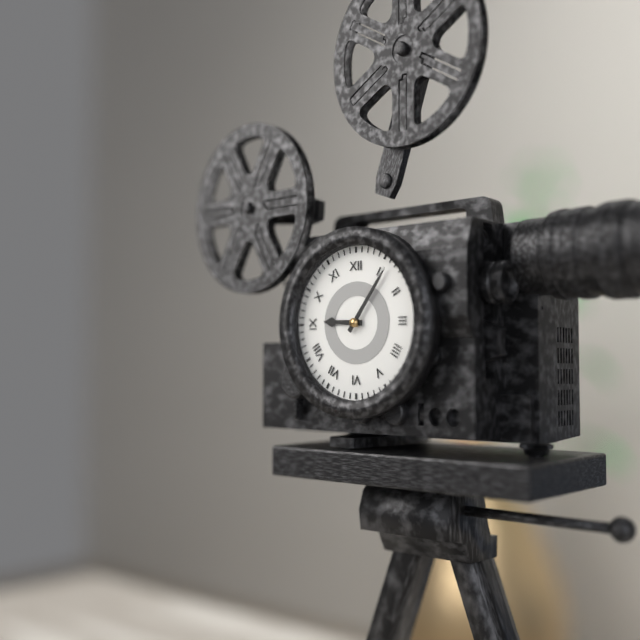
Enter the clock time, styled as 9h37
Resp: 9h06
